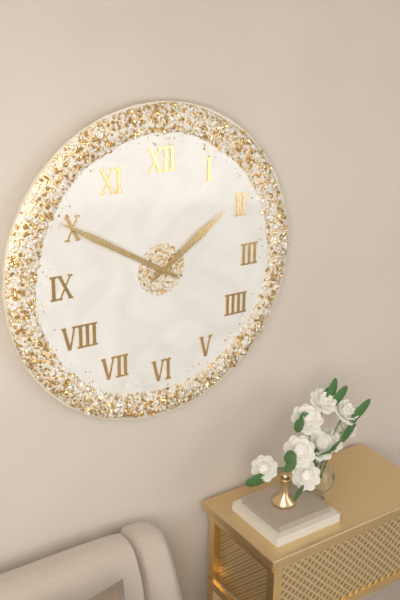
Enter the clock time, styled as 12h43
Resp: 1h50
